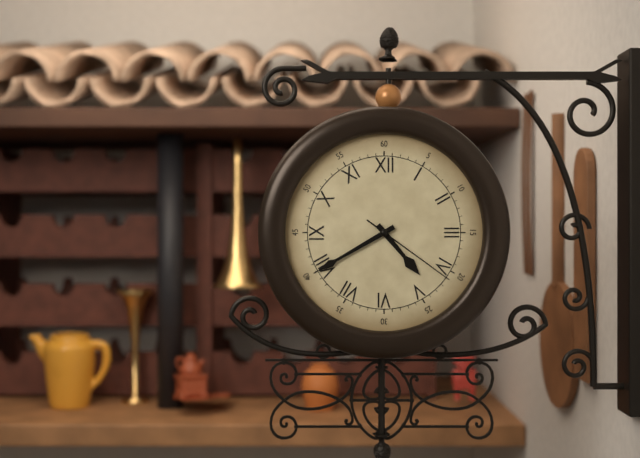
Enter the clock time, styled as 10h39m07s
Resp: 4h40m21s
